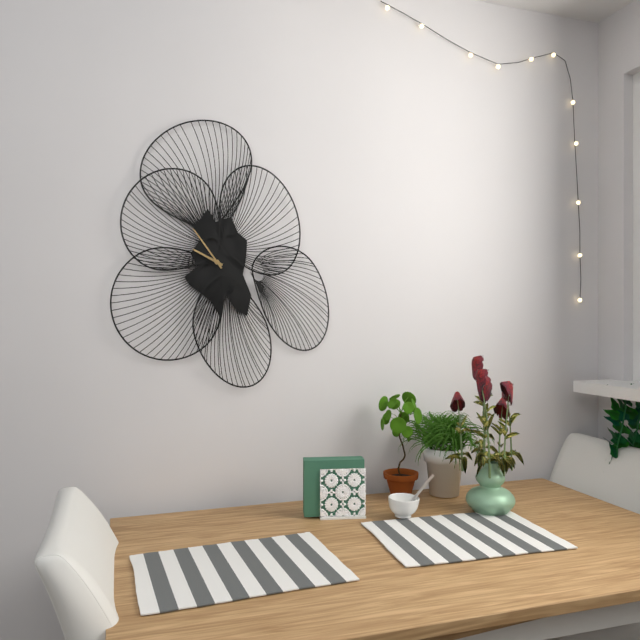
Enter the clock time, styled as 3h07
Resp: 9h54
